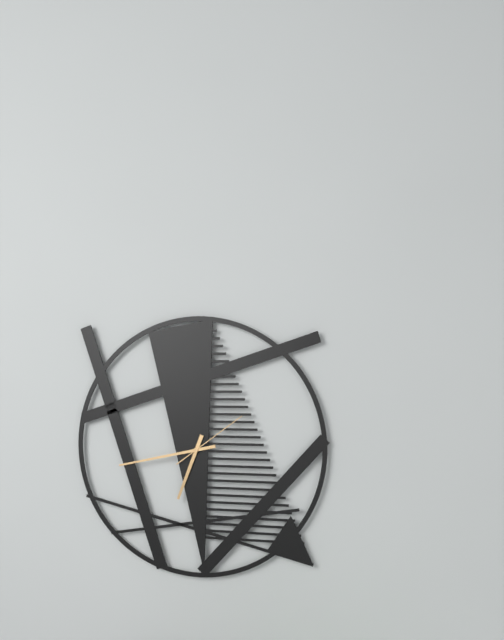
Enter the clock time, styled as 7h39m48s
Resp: 6h43m09s
